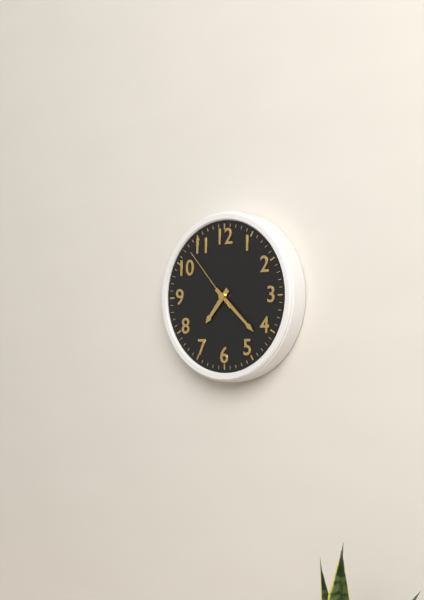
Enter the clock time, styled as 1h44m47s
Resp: 7h22m53s
